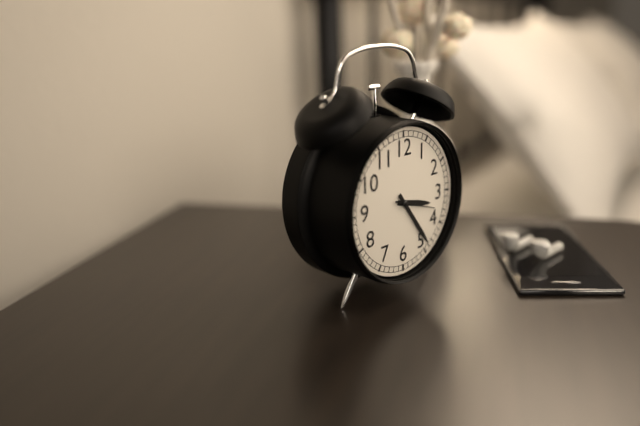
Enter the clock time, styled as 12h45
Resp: 3h24
